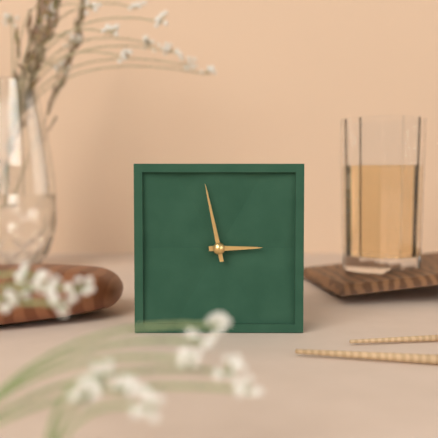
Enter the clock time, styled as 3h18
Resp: 2h58
